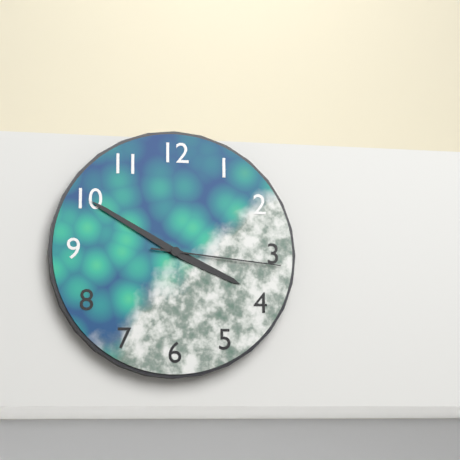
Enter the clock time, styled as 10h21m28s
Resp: 3h50m16s
